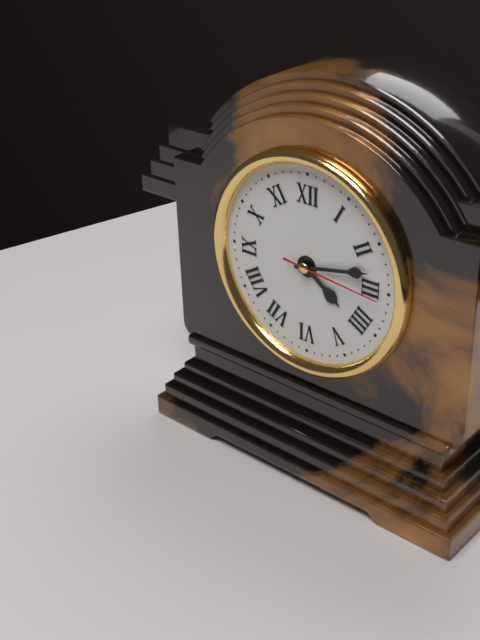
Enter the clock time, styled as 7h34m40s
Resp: 4h13m16s
